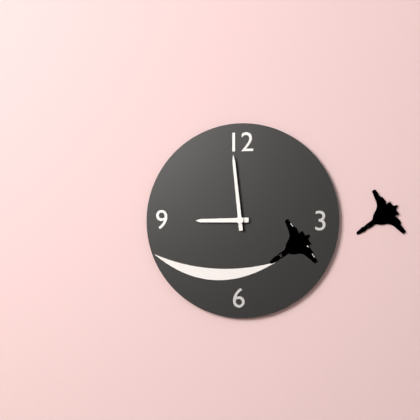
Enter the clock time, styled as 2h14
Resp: 8h59
